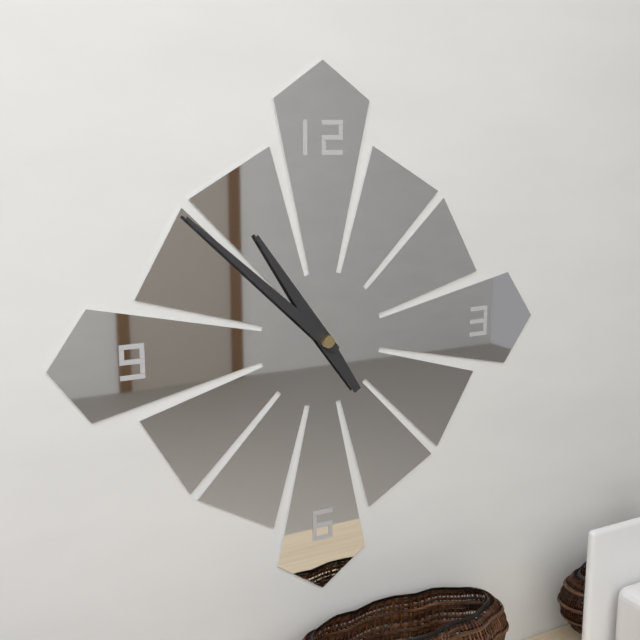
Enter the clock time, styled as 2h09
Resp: 10h52
